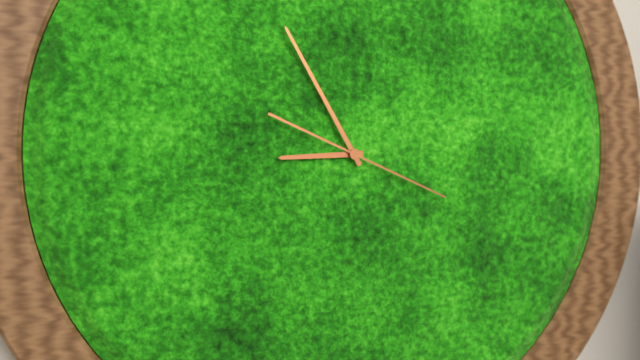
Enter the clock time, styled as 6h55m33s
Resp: 8h55m19s
